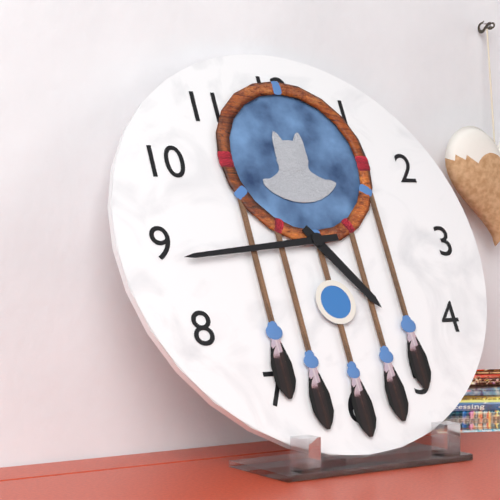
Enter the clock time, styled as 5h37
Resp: 4h44
